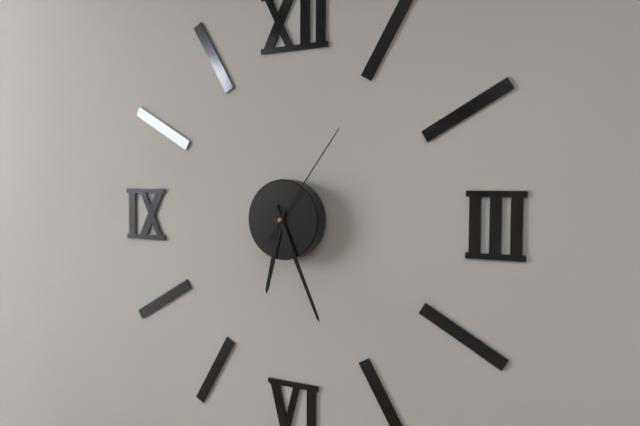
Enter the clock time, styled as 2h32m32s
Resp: 6h26m06s
